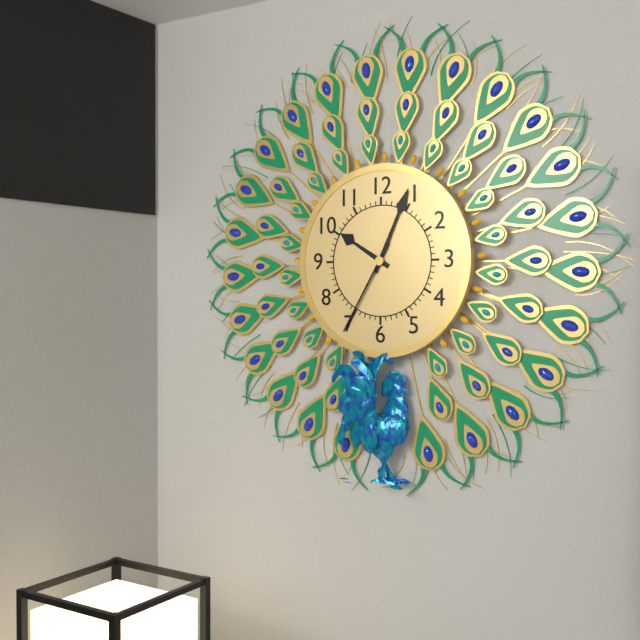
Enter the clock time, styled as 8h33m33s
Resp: 10h04m35s
